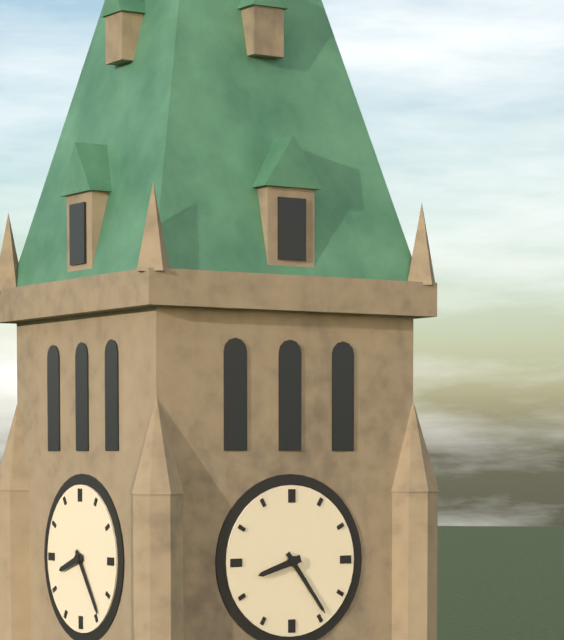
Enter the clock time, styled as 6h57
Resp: 8h24
